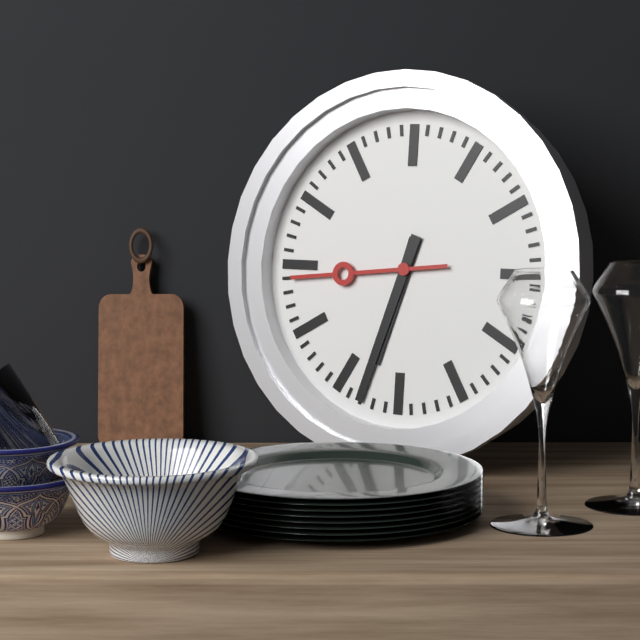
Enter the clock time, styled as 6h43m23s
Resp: 6h33m44s
